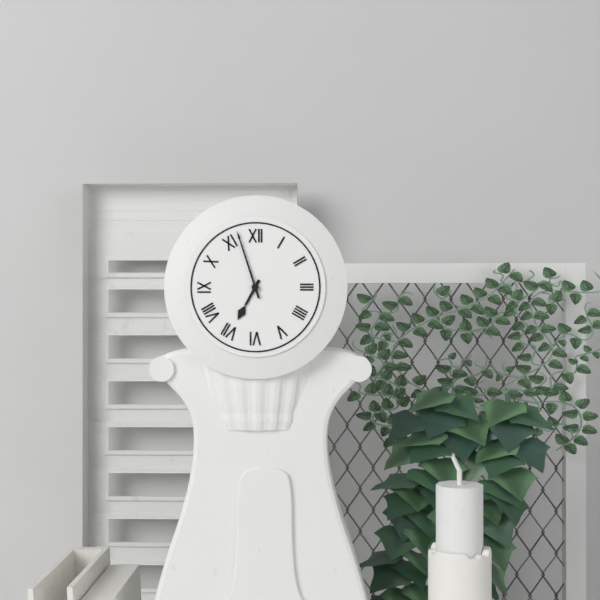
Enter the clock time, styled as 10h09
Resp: 6h57
